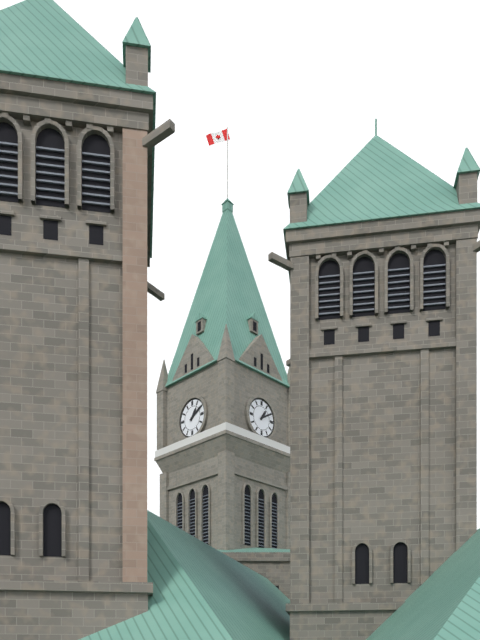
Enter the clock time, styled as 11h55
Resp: 1h10
